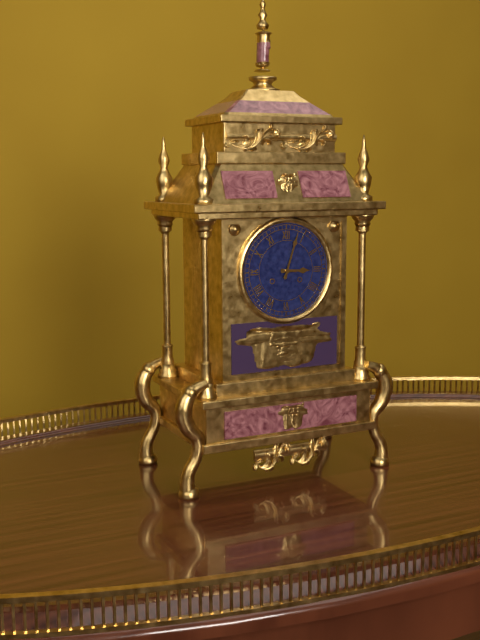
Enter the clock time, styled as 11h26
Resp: 3h03
